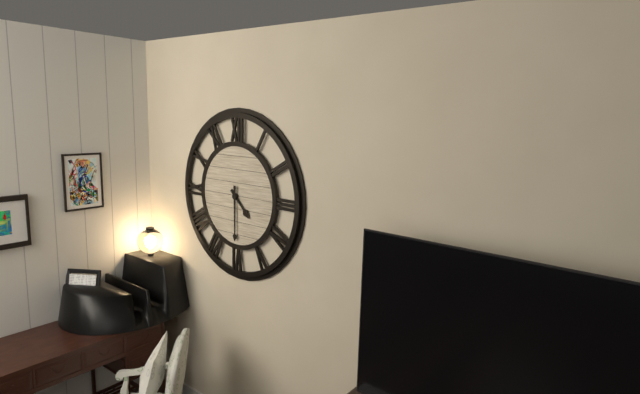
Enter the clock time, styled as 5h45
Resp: 4h30
